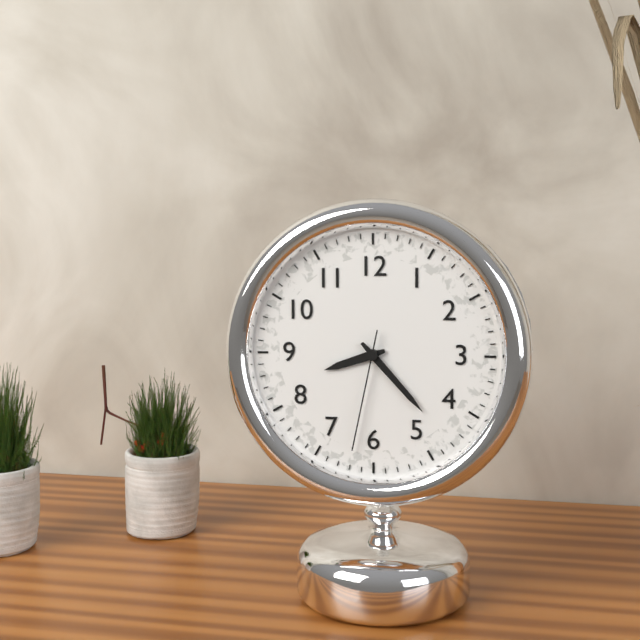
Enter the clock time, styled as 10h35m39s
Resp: 8h23m32s
